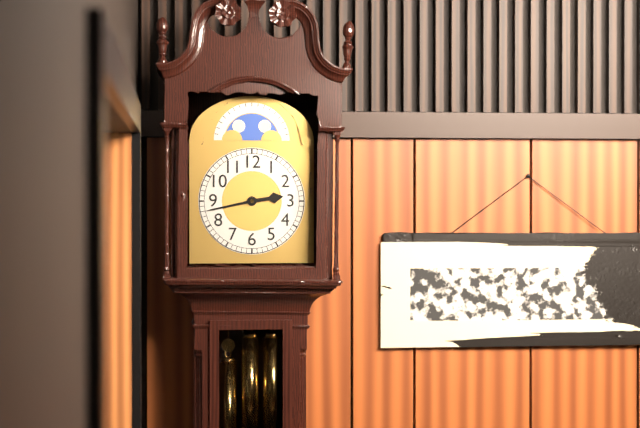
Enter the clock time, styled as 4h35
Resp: 2h43
